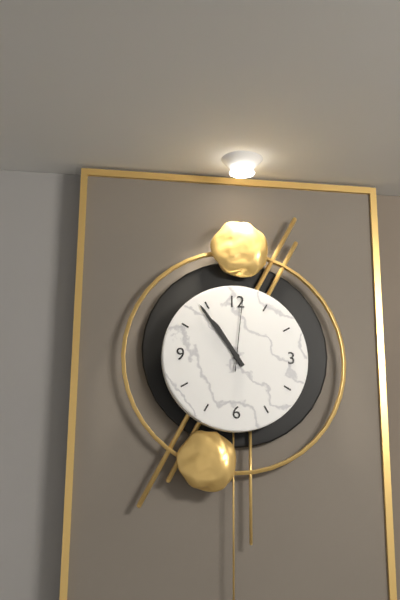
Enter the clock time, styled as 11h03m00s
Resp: 10h54m01s
